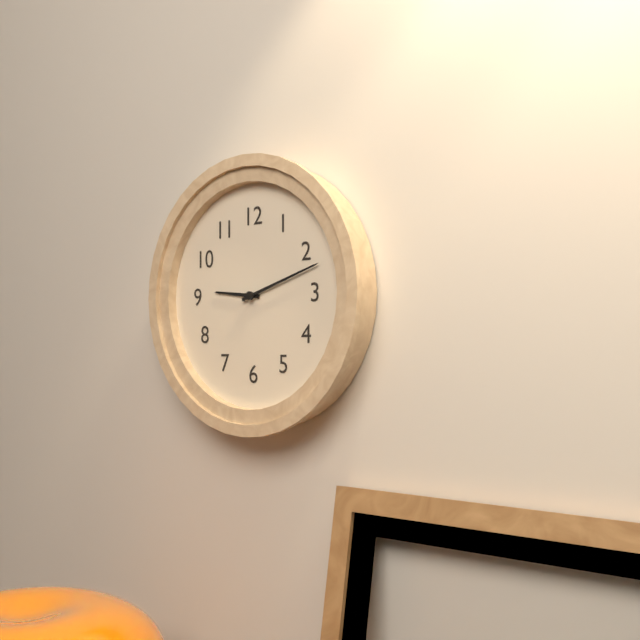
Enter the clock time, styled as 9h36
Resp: 9h12
